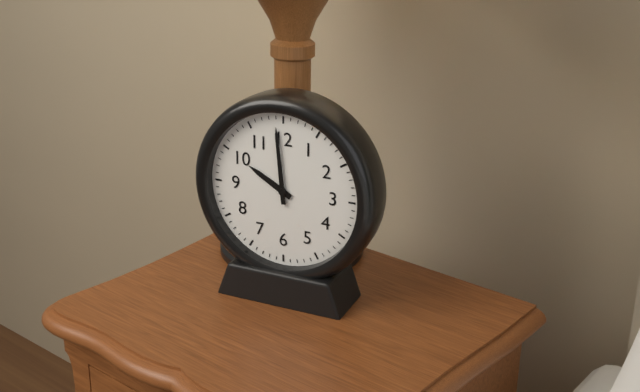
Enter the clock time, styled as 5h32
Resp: 9h59
